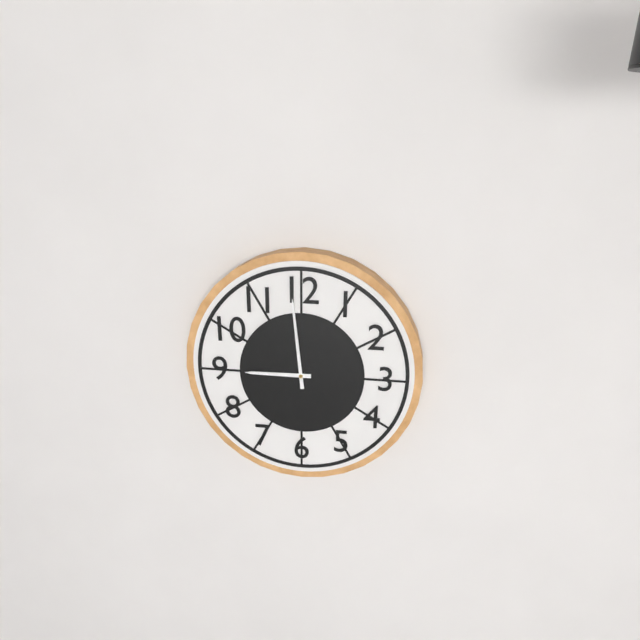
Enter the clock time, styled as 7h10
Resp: 8h59
